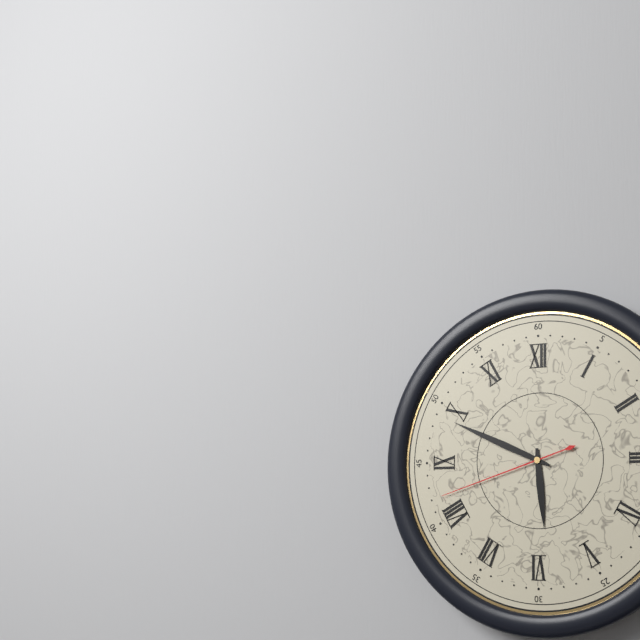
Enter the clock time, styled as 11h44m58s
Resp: 5h49m42s
